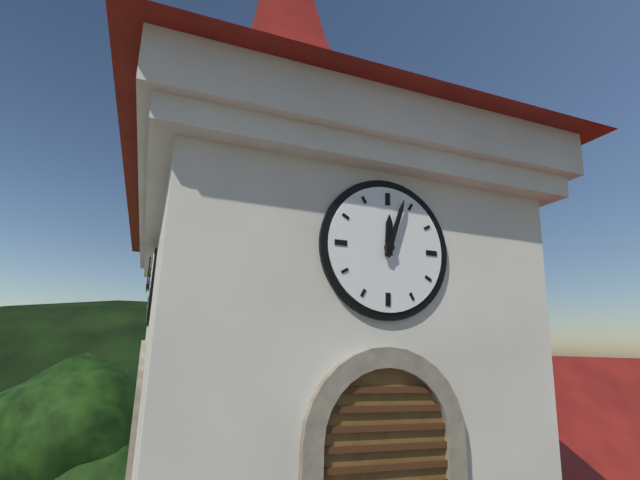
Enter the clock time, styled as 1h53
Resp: 12h03
